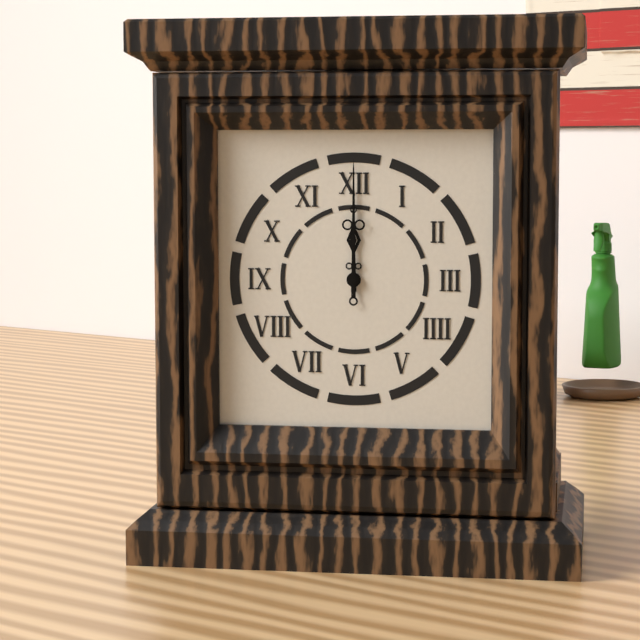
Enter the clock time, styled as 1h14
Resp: 12h00
